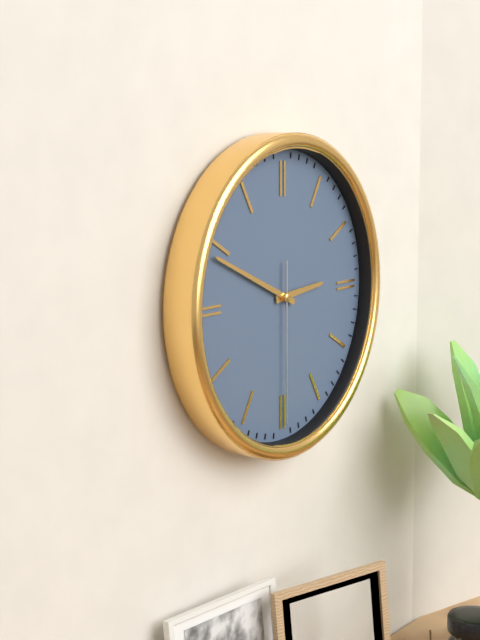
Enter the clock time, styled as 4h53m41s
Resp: 2h49m30s
